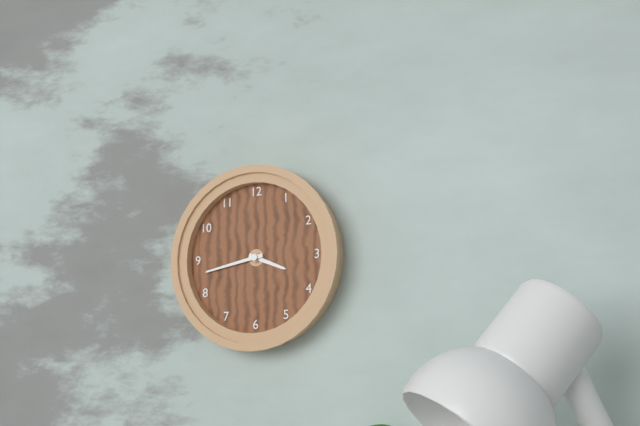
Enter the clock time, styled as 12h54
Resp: 3h43
